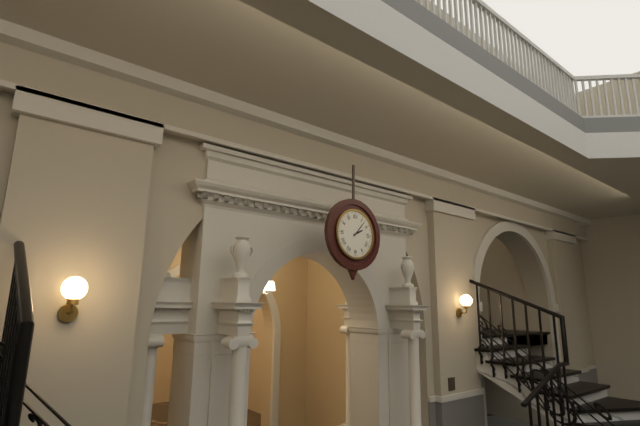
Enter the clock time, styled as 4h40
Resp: 2h07
